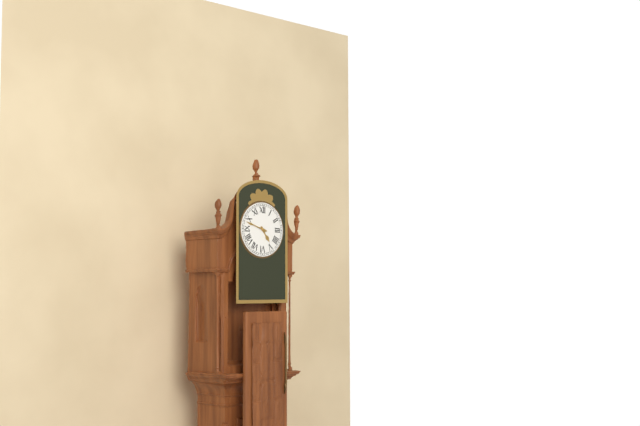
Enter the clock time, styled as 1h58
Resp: 4h48
